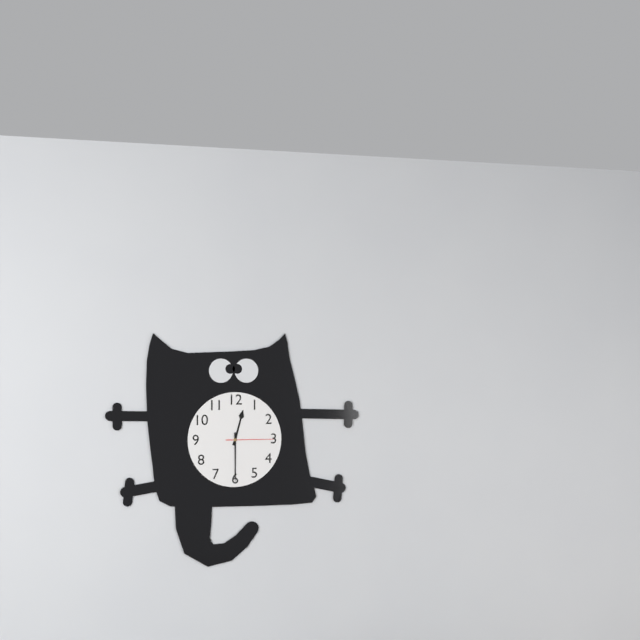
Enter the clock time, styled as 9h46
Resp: 12h30
